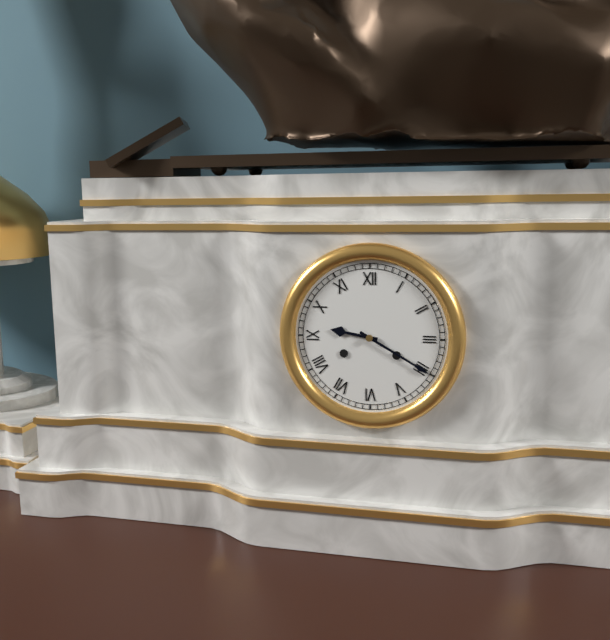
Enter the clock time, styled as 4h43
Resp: 9h20
